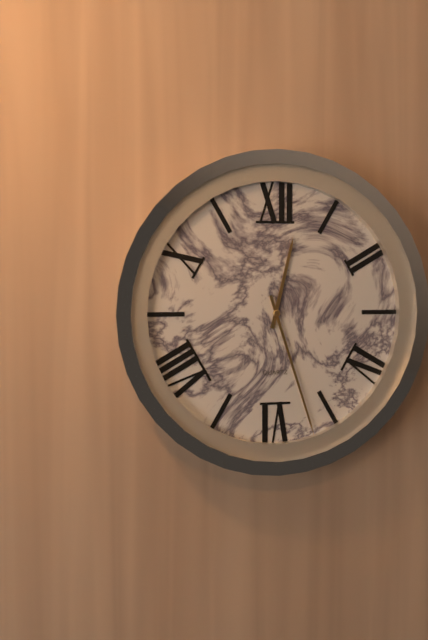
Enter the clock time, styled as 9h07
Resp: 12h27
